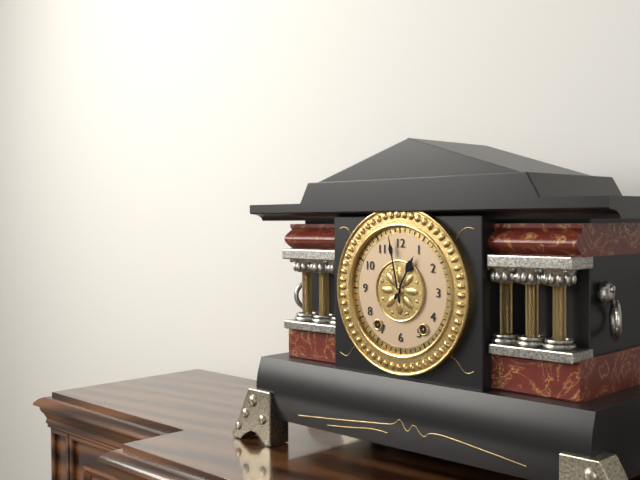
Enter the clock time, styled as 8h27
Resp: 12h58
